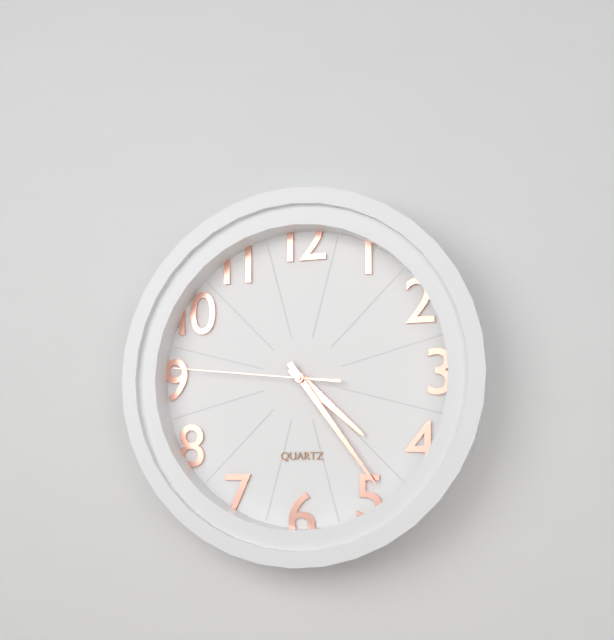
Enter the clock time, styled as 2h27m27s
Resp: 4h24m46s
